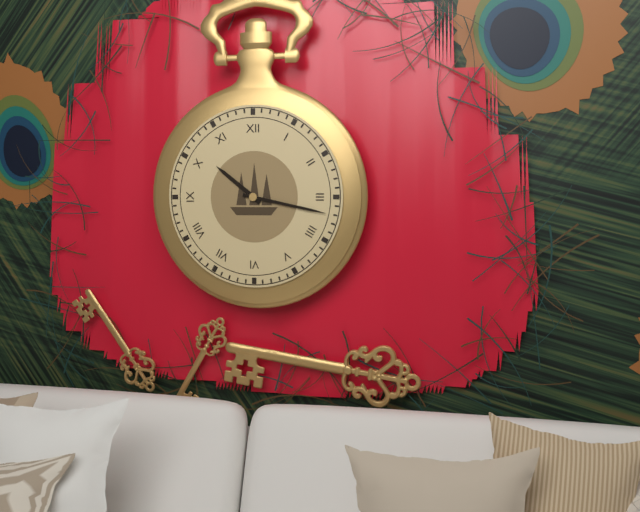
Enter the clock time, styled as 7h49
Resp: 10h17
